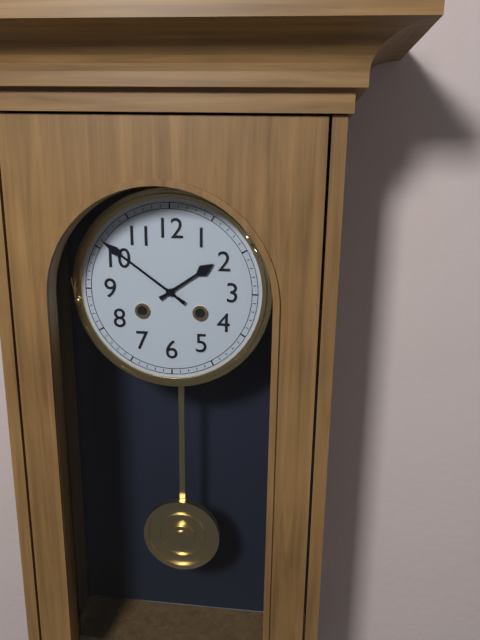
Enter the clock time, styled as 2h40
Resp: 1h51
